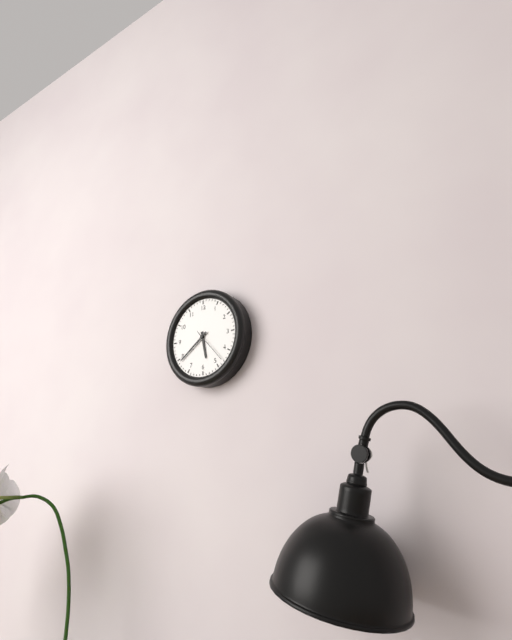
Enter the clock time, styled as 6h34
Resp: 5h39
